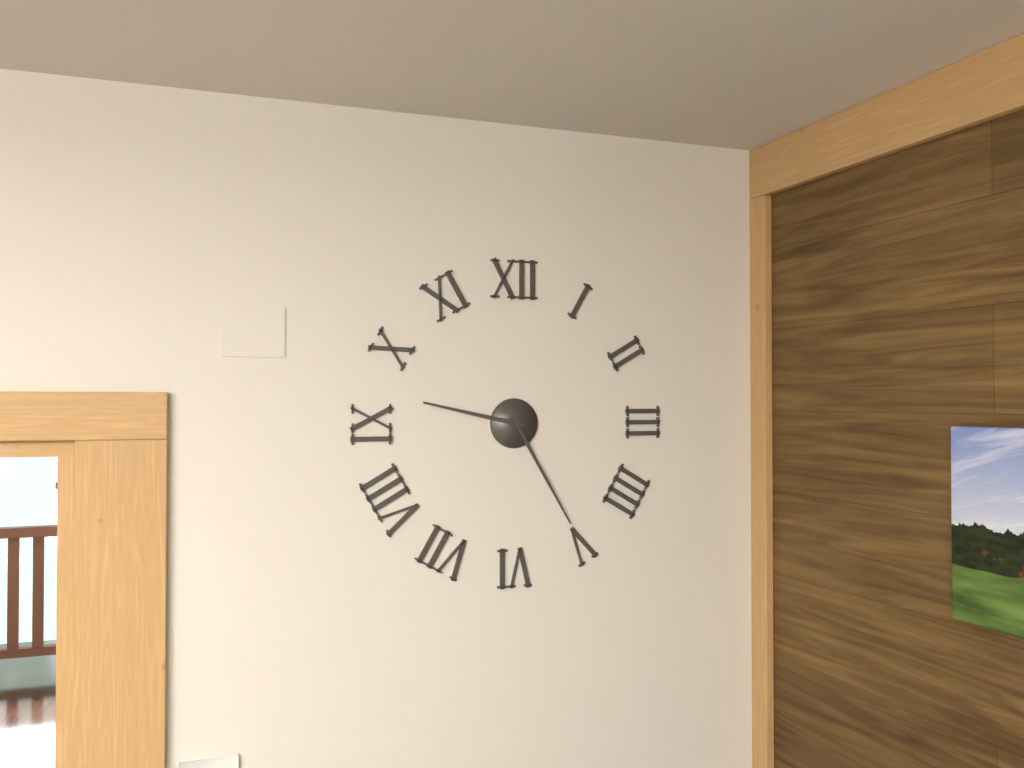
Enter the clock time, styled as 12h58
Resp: 9h25
